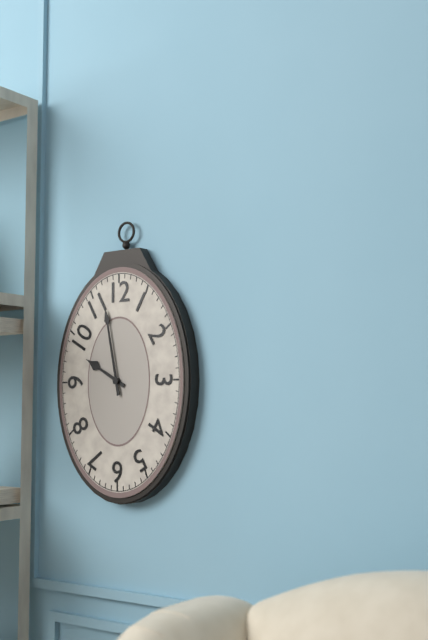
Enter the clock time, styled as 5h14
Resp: 9h58
